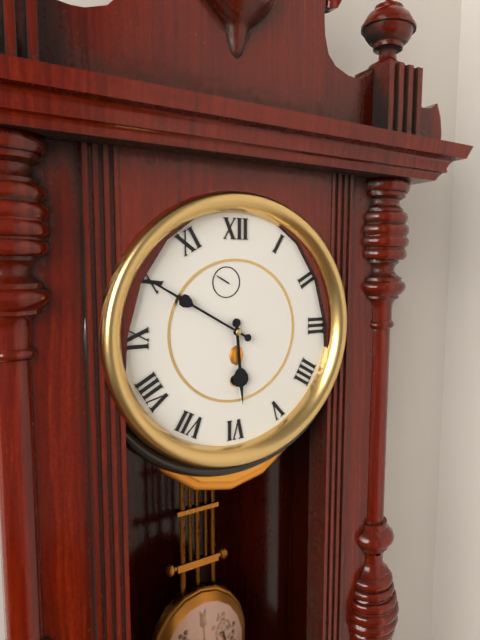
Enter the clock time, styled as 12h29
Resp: 5h50
